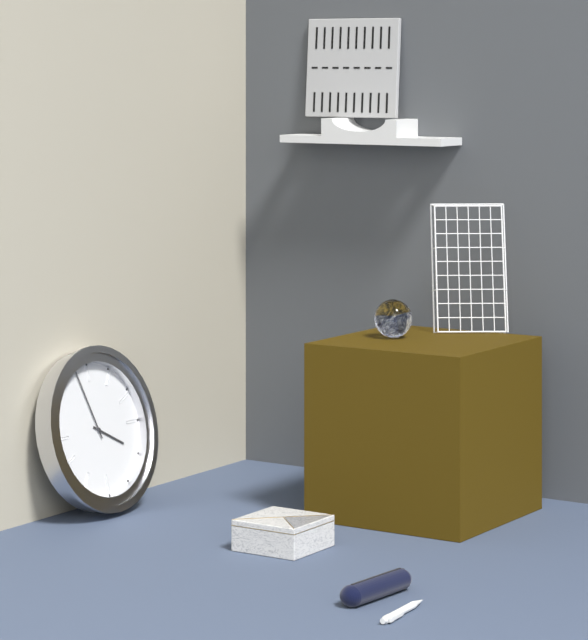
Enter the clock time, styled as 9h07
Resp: 3h57
